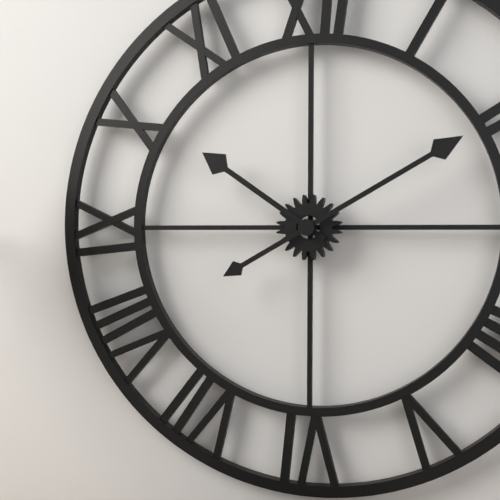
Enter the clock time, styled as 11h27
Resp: 10h10
